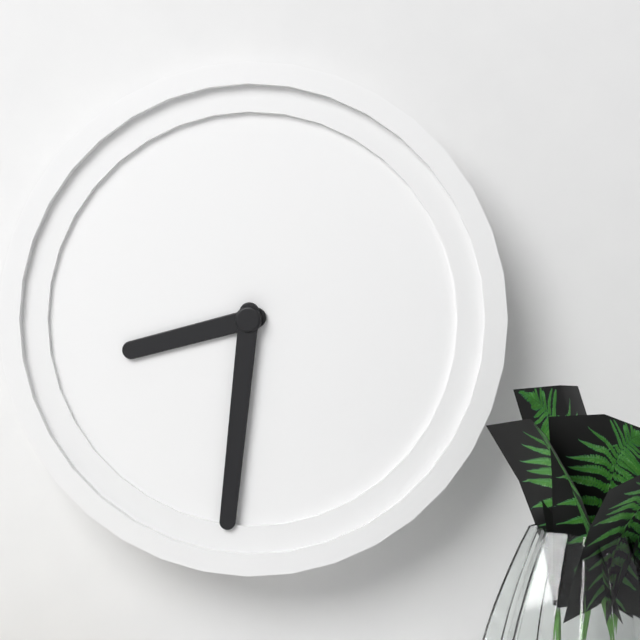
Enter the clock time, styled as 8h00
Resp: 8h31
